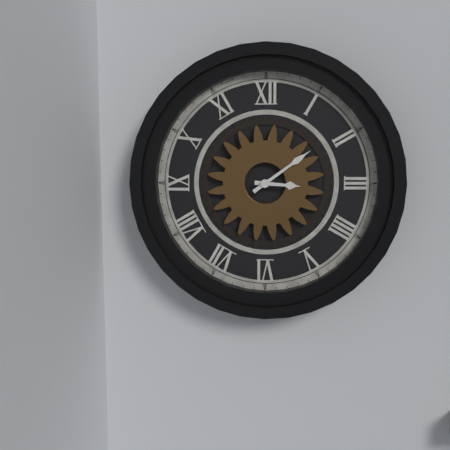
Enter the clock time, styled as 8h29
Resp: 3h09
